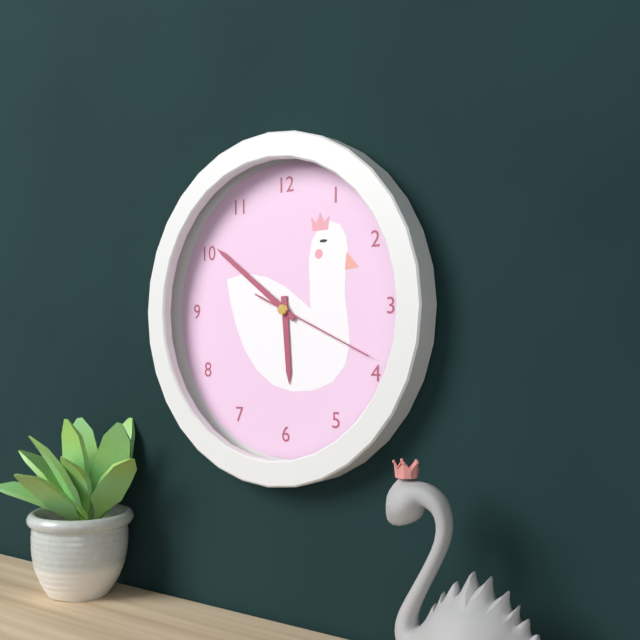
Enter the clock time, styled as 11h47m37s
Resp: 5h51m19s
